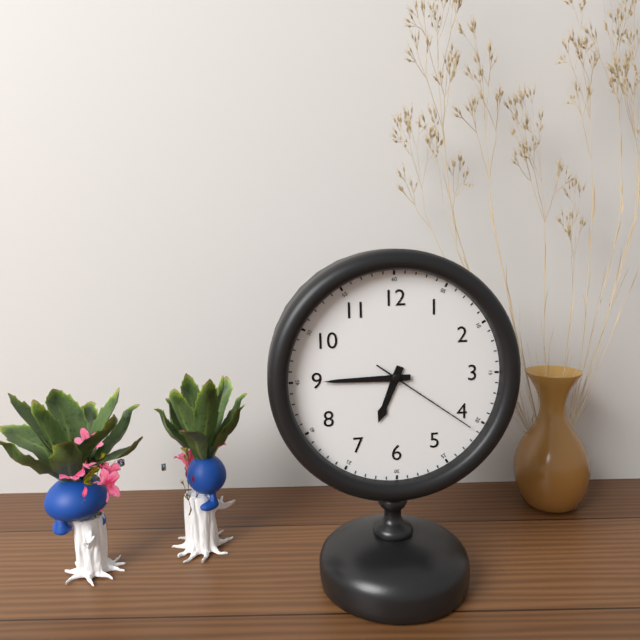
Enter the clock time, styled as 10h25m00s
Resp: 6h45m21s
